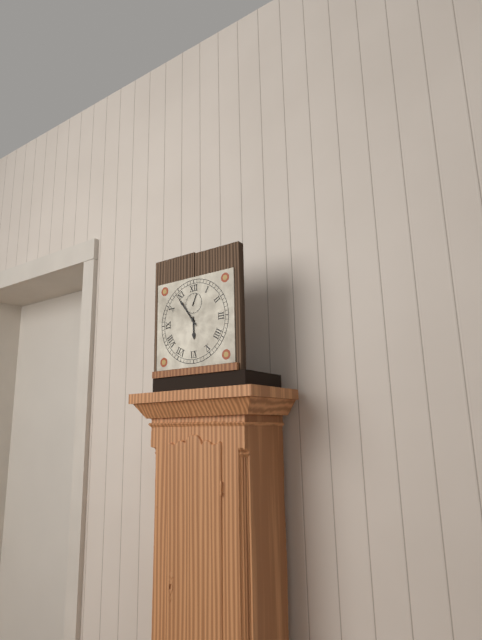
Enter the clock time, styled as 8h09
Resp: 5h54
